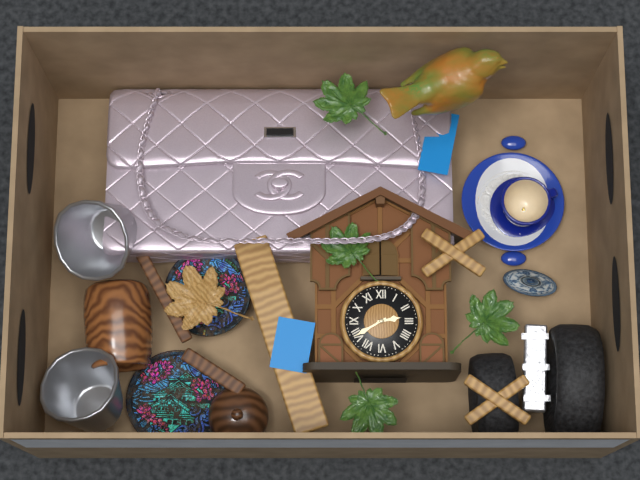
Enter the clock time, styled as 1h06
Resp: 2h40
